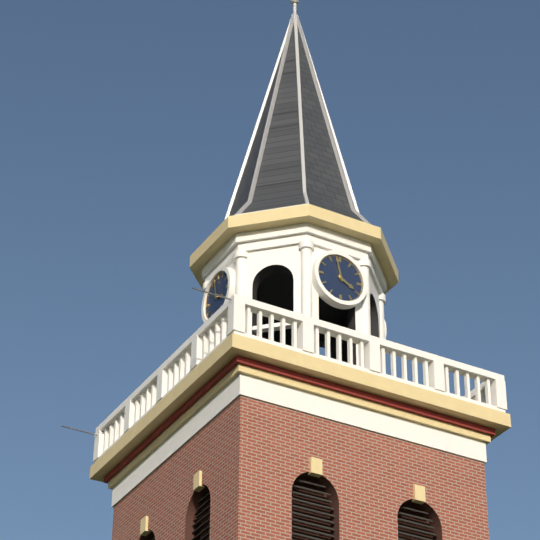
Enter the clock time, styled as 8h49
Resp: 3h58
